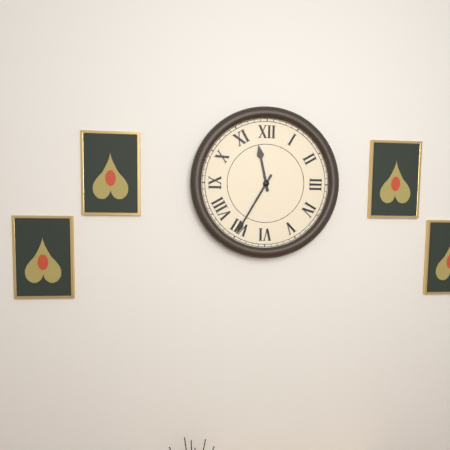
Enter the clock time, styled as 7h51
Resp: 11h35
